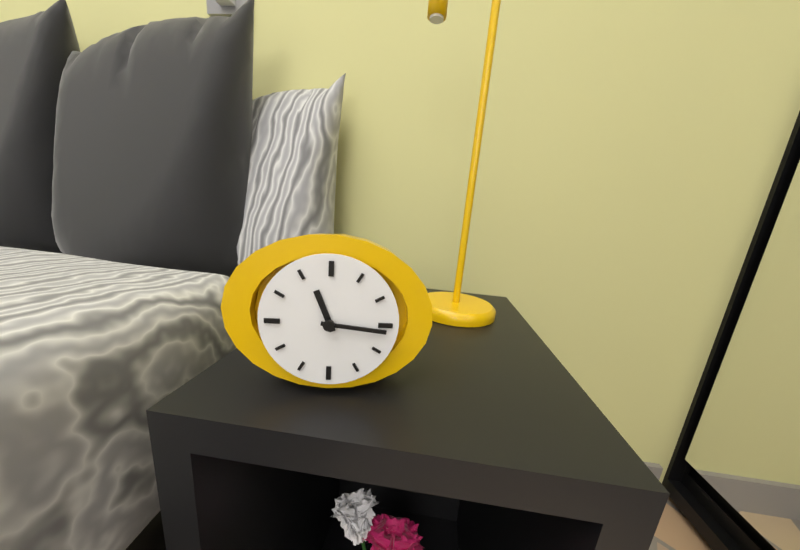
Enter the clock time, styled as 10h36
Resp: 11h16
